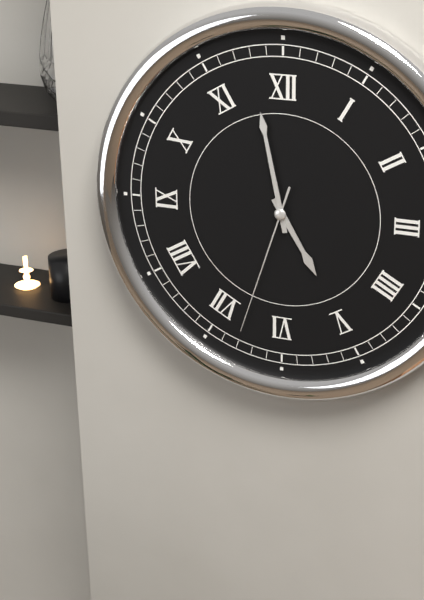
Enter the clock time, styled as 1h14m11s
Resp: 4h58m33s
